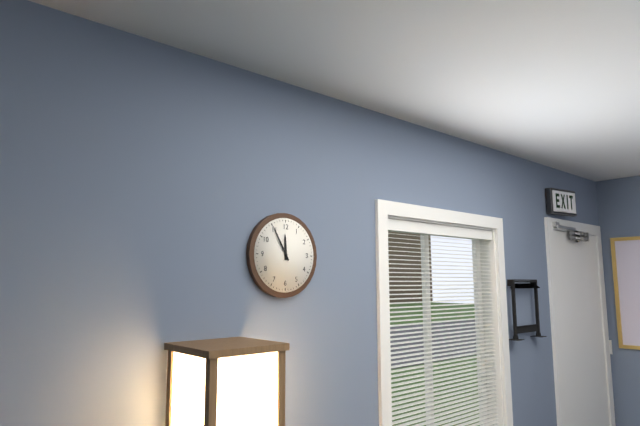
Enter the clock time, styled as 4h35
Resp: 11h55
